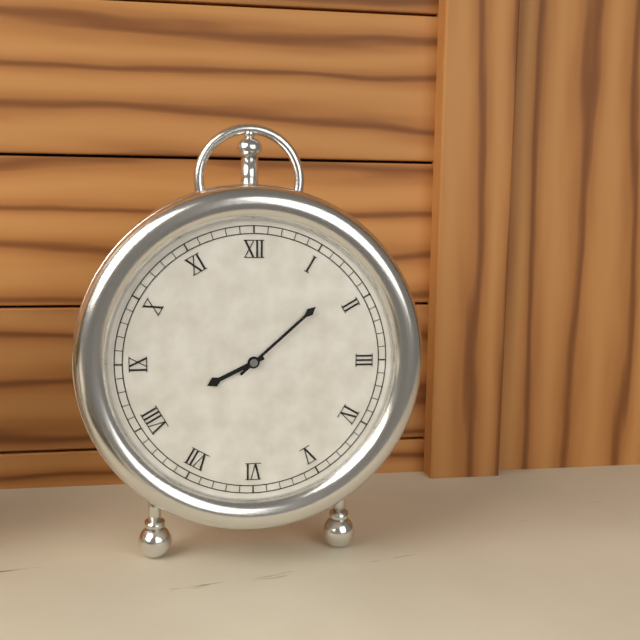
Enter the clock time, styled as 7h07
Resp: 8h08
